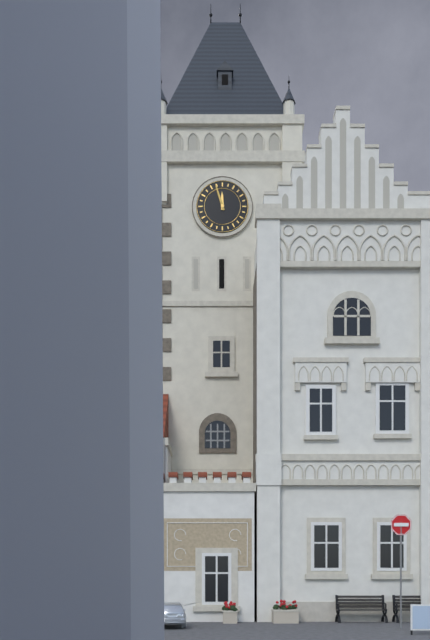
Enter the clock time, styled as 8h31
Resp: 11h57
